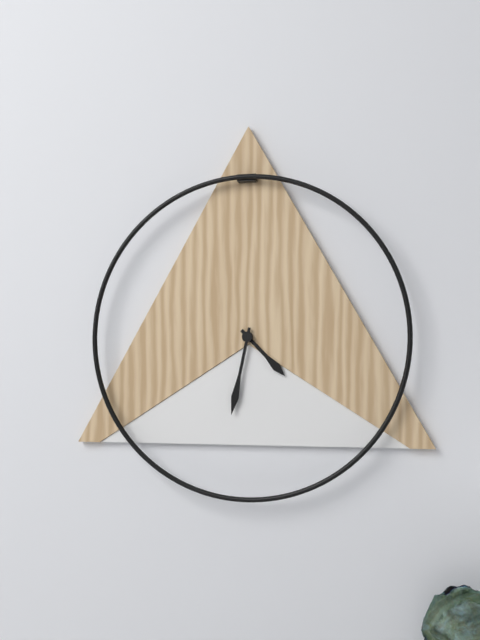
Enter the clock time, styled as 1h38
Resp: 4h32
